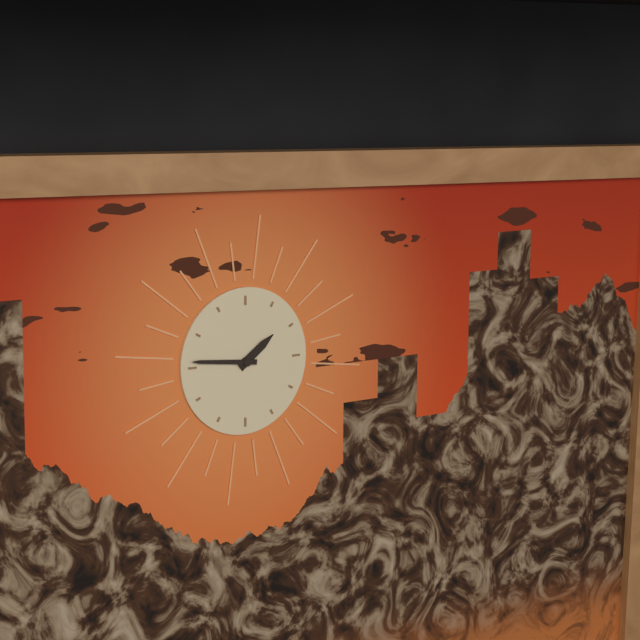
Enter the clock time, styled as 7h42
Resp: 1h46
